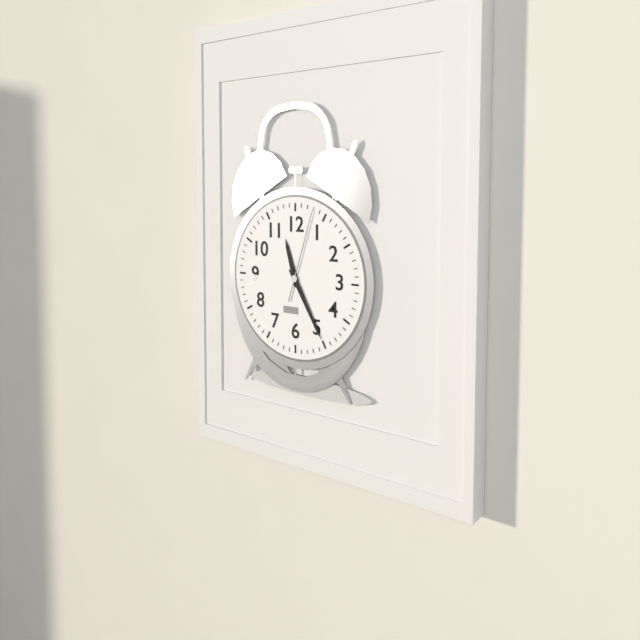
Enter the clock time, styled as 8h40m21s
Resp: 11h25m03s
